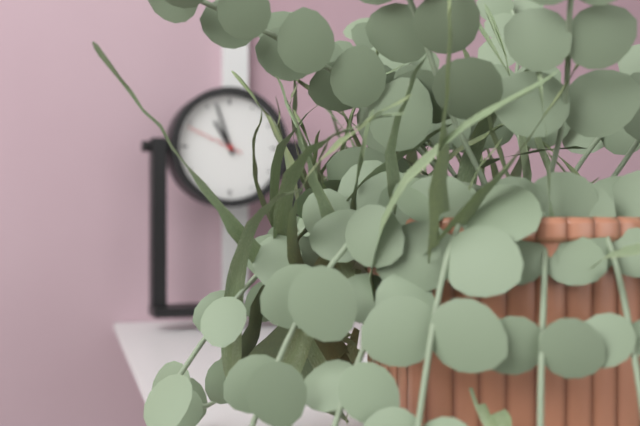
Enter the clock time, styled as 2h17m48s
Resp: 10h57m49s
